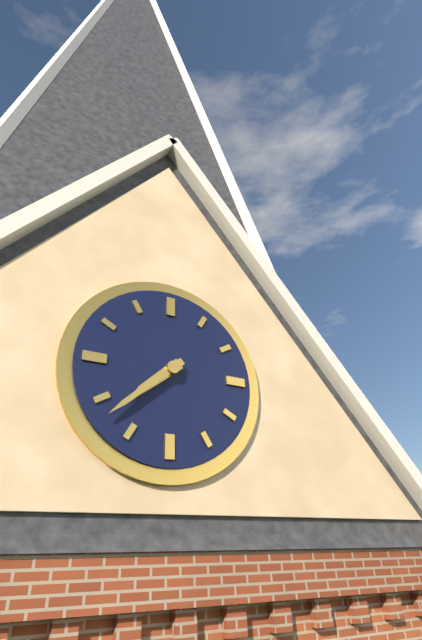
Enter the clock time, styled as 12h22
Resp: 7h38
